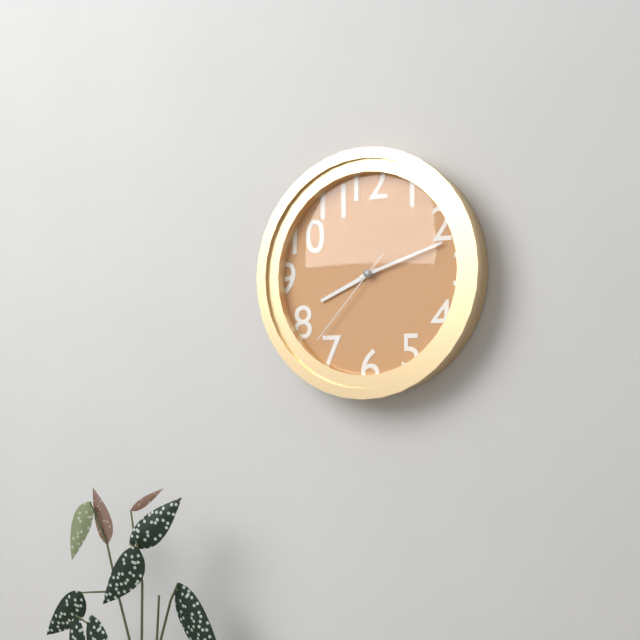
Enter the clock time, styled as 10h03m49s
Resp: 8h12m37s
